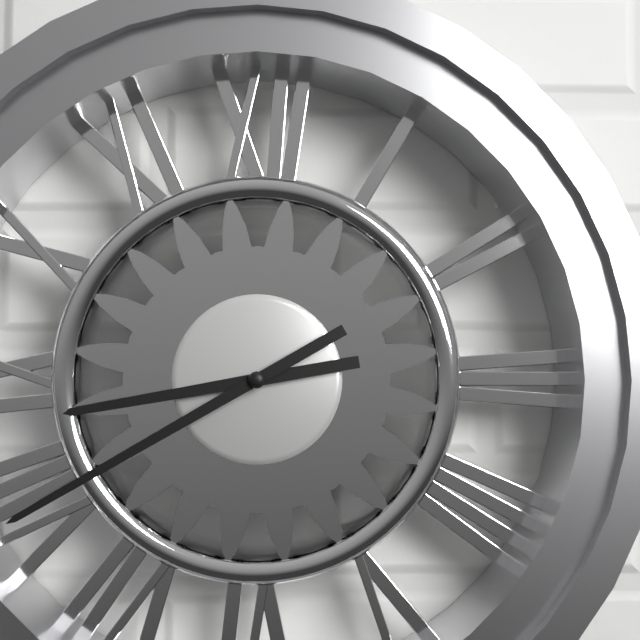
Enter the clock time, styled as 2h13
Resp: 8h40
